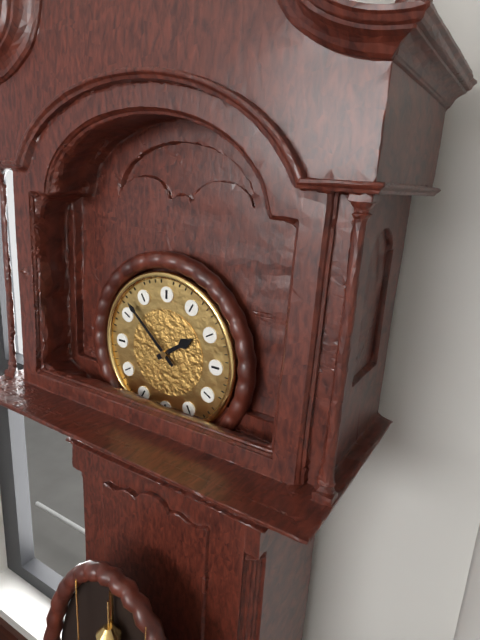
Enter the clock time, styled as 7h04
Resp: 1h52
